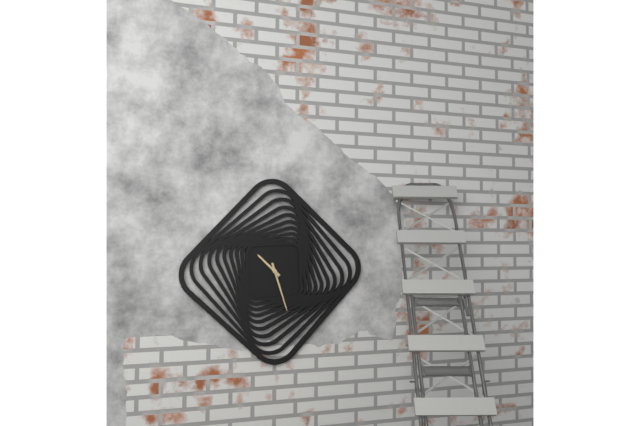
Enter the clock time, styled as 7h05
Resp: 10h27
